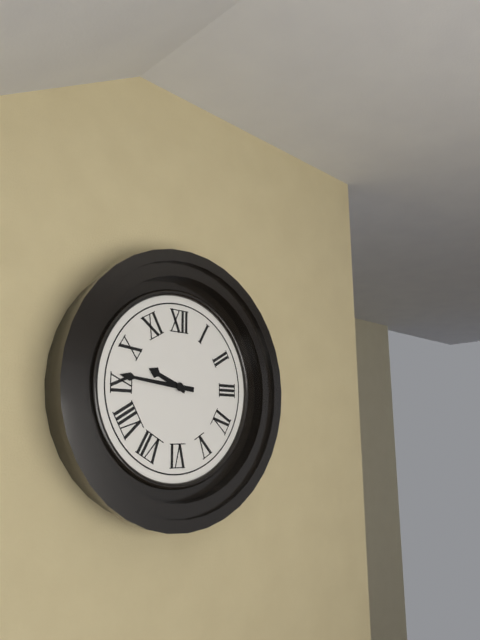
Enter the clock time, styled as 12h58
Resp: 9h46
